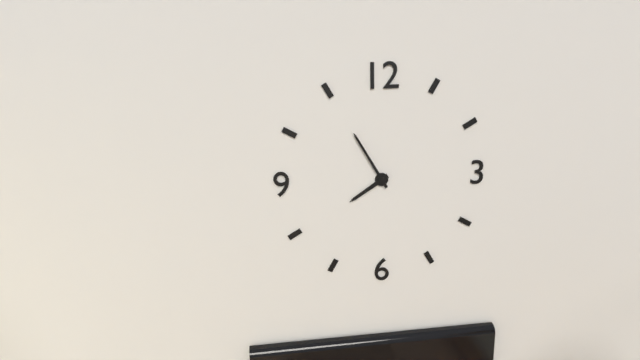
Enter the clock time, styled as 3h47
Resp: 7h55
